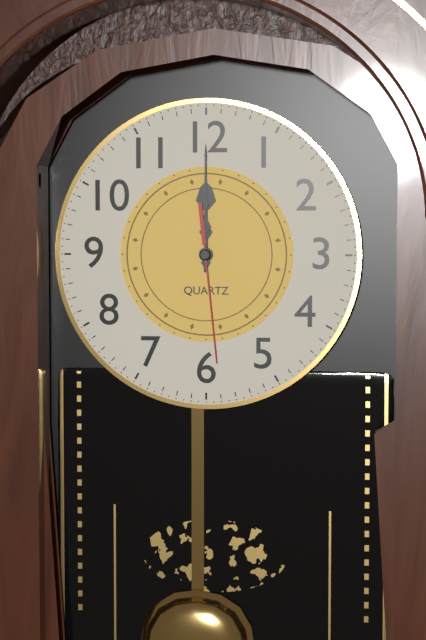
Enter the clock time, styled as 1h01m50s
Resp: 12h00m29s
